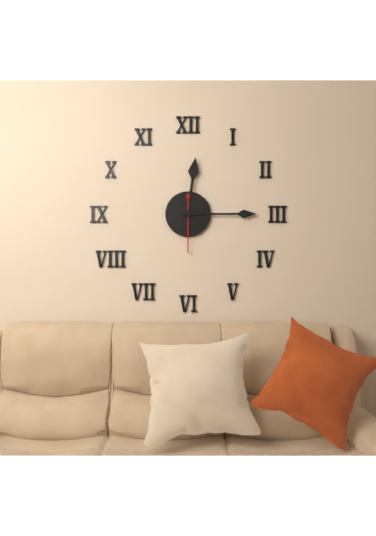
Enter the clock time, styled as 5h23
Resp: 12h15
